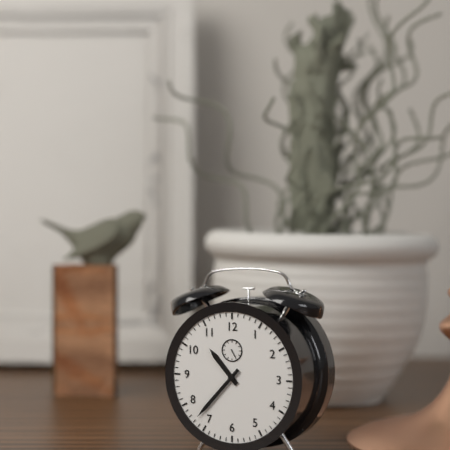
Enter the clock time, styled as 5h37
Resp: 10h37
